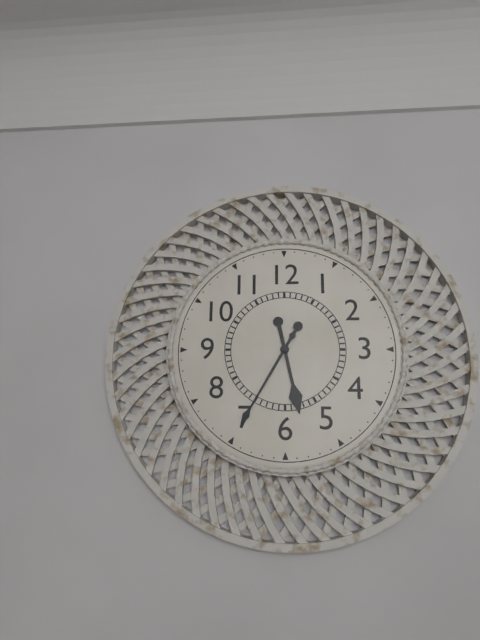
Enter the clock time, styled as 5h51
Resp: 5h35
